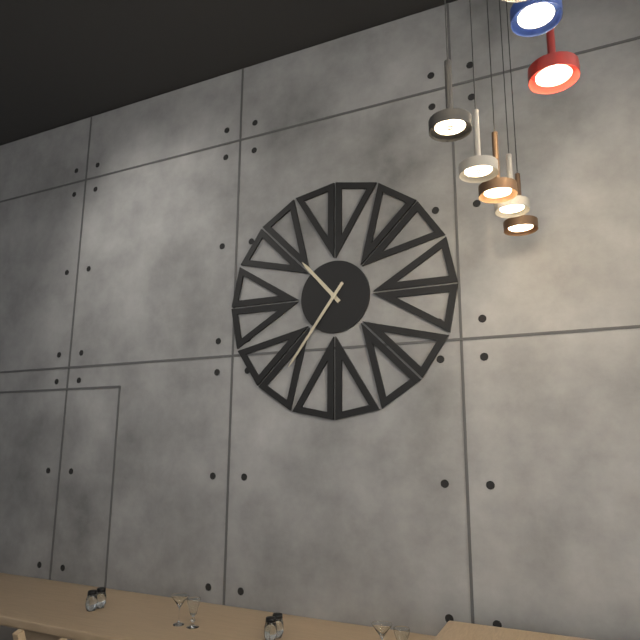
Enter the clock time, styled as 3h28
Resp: 10h36
